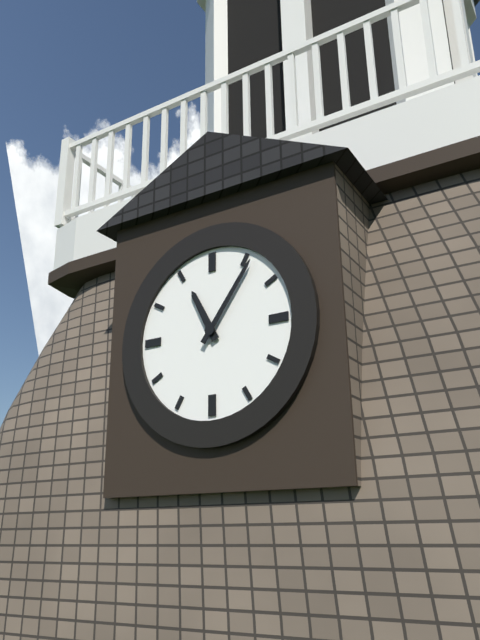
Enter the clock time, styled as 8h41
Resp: 11h06
